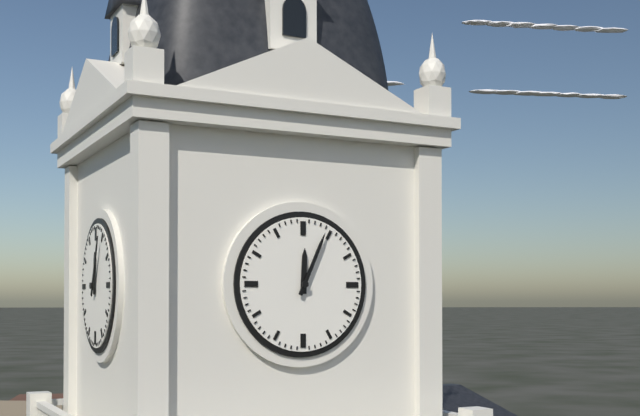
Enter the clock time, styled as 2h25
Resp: 12h04
